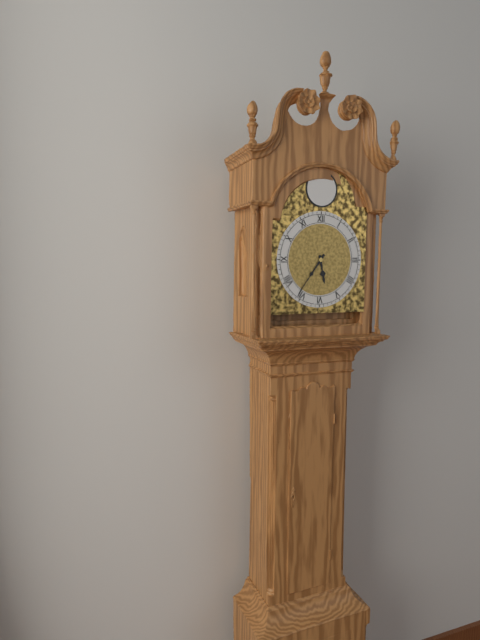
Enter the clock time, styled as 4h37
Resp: 5h36
